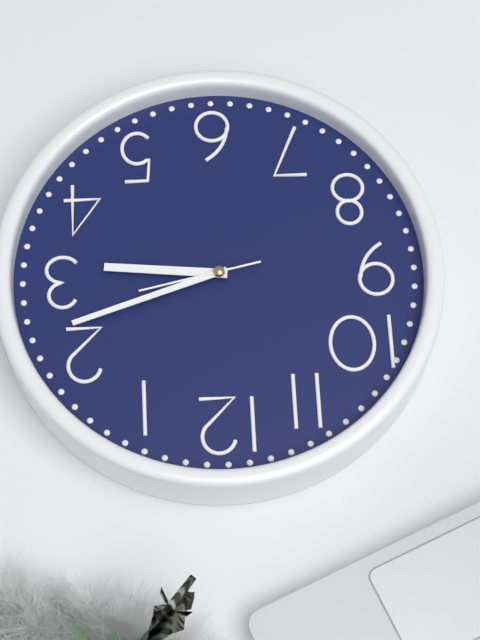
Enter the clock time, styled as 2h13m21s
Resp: 3h12m13s
